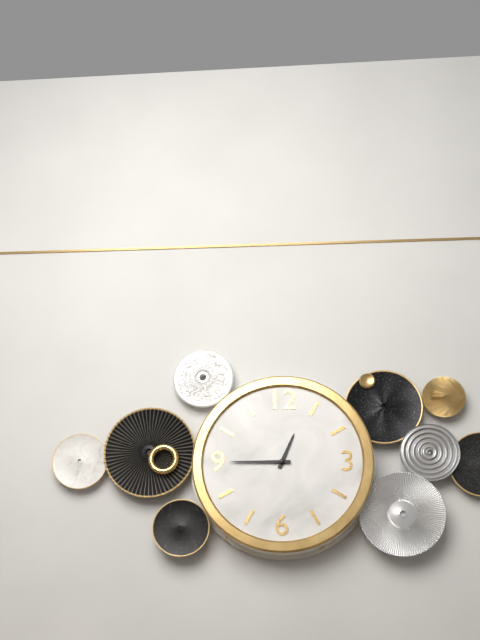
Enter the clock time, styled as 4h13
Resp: 12h45
